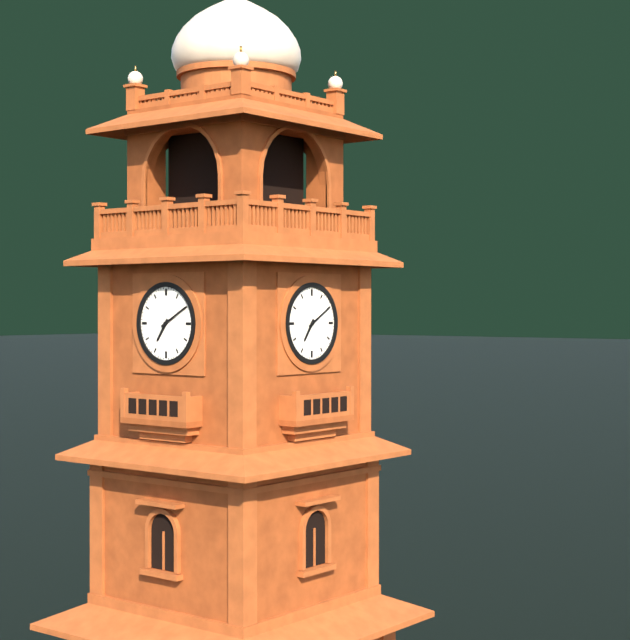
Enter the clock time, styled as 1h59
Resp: 7h10
